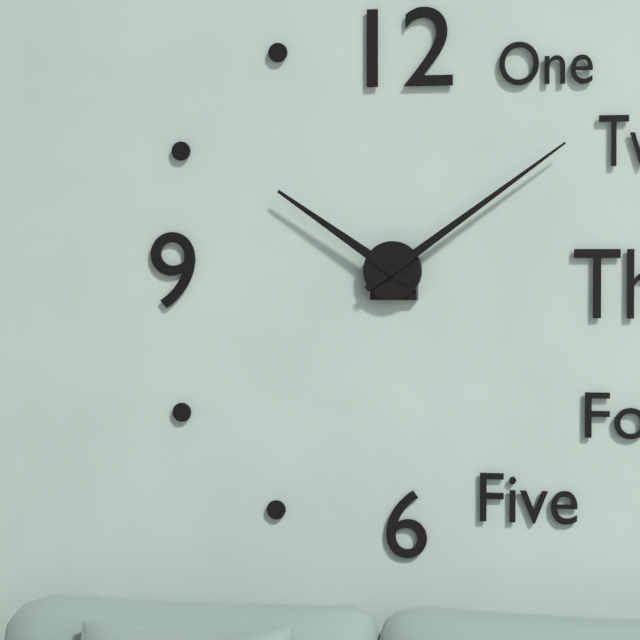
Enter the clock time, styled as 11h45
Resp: 10h09
